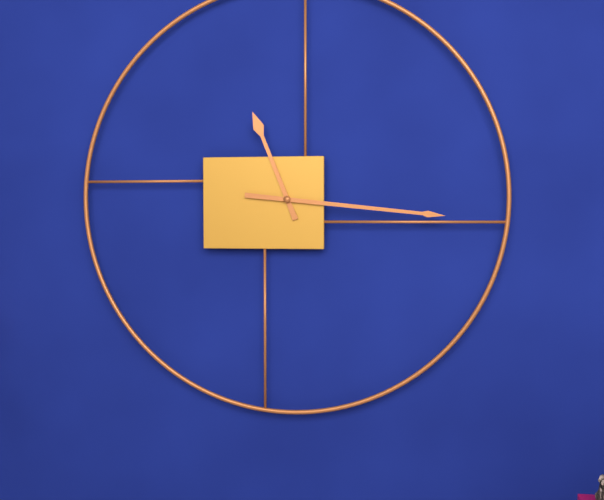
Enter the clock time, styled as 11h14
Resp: 11h16
